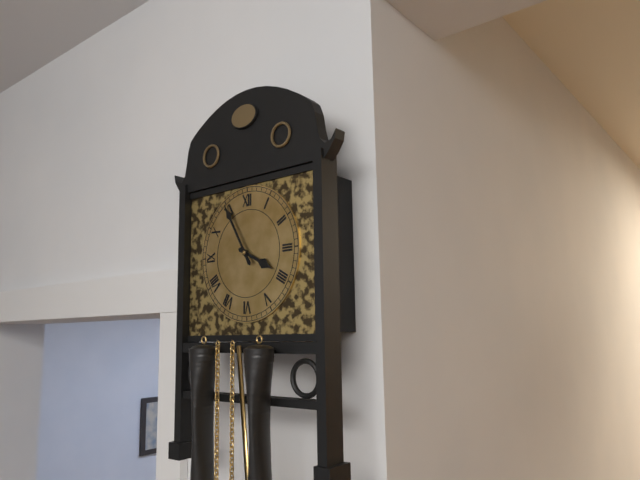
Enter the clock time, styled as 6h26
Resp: 3h55
